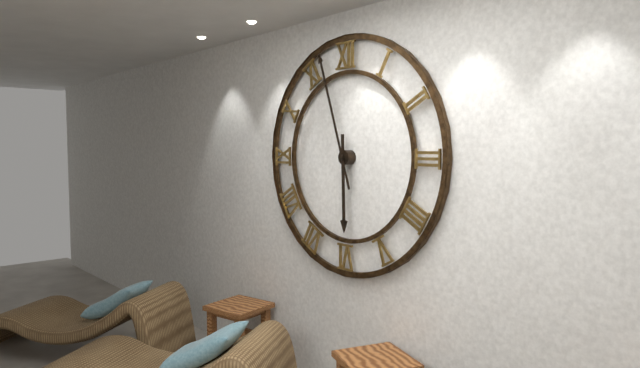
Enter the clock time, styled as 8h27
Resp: 5h57
